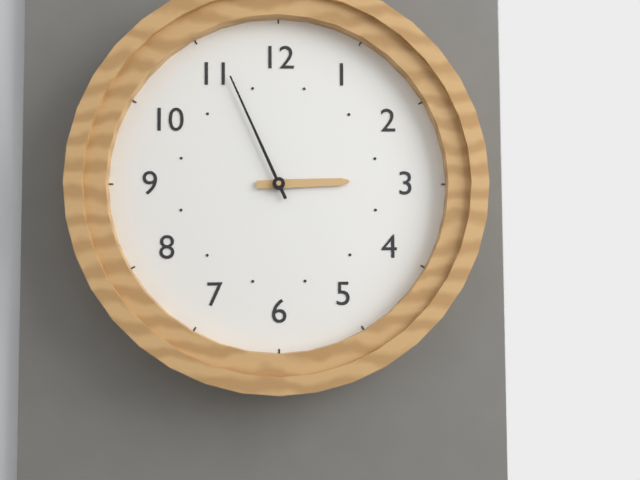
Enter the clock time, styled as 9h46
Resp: 2h56
